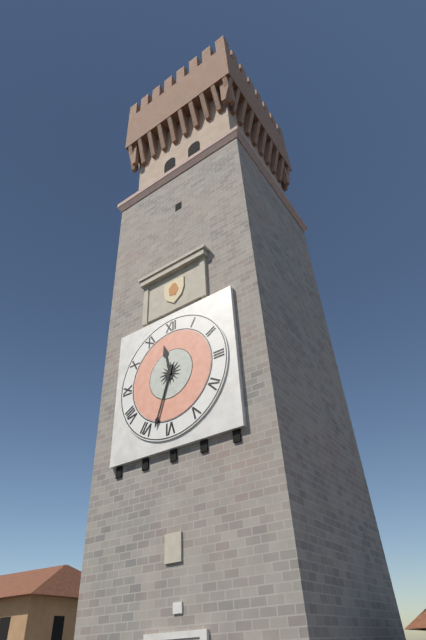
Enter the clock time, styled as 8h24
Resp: 11h33
